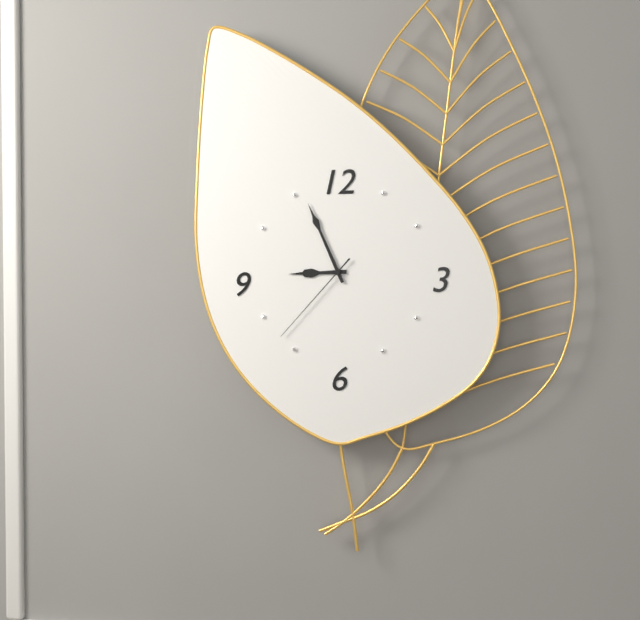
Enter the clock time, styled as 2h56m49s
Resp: 8h56m37s
